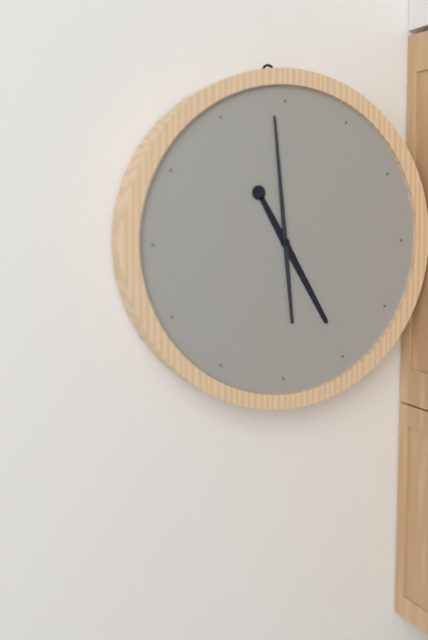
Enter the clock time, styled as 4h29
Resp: 4h59
